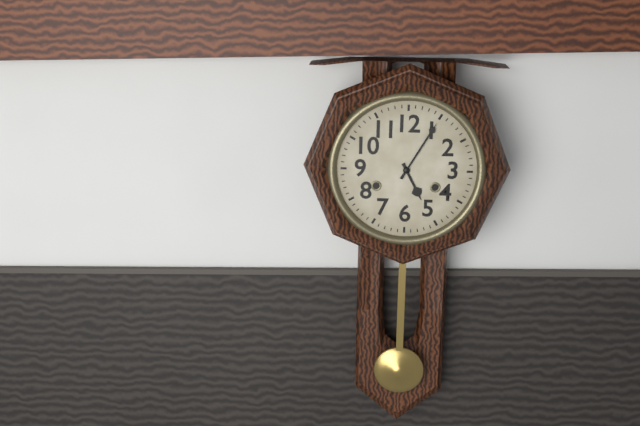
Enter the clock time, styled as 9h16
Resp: 5h05
